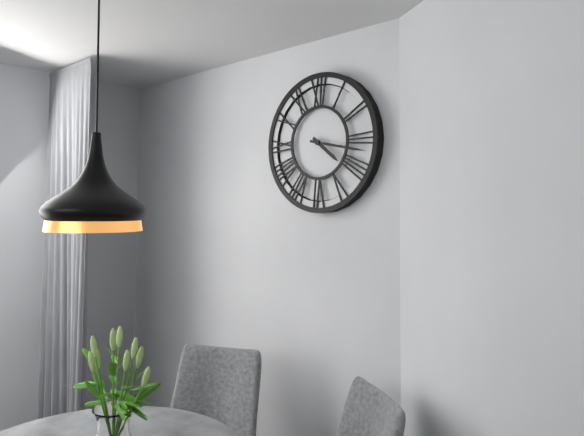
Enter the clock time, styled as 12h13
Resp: 4h17
